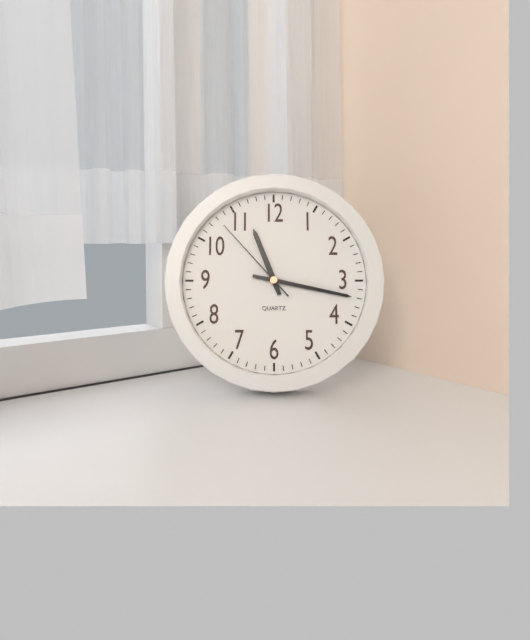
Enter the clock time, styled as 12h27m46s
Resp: 11h17m53s
